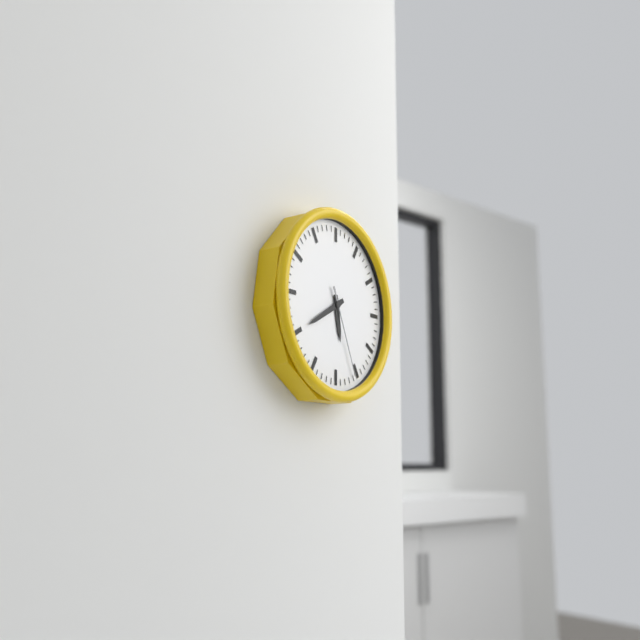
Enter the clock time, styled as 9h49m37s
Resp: 5h40m26s
